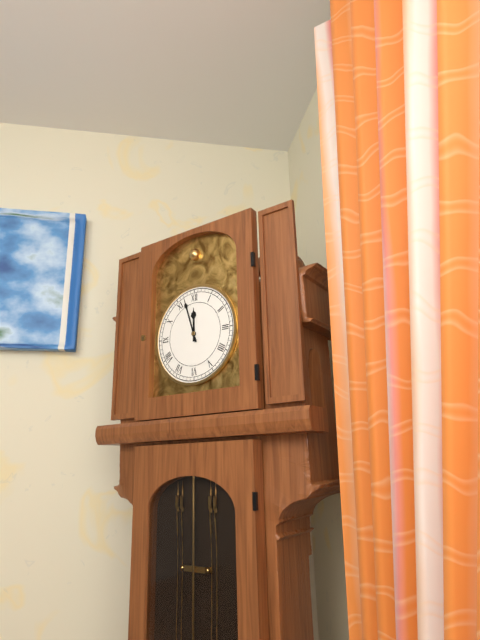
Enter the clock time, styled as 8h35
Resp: 11h57
